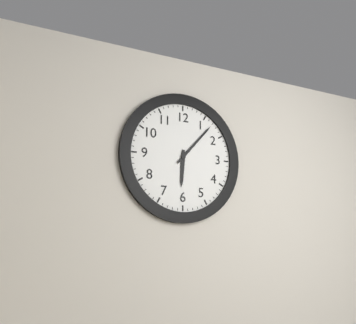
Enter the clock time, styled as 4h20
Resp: 6h07
